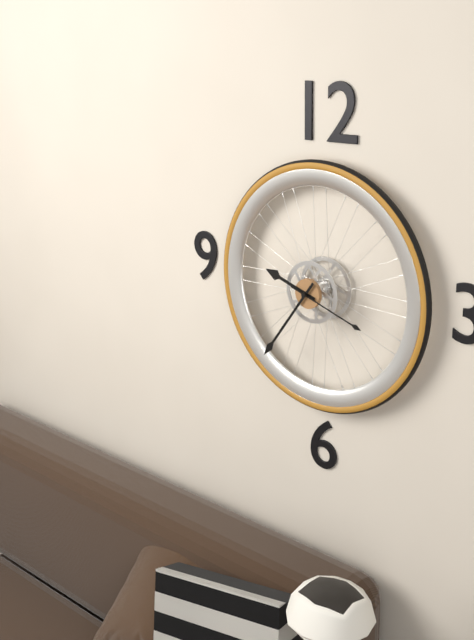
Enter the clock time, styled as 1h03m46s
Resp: 9h36m18s
